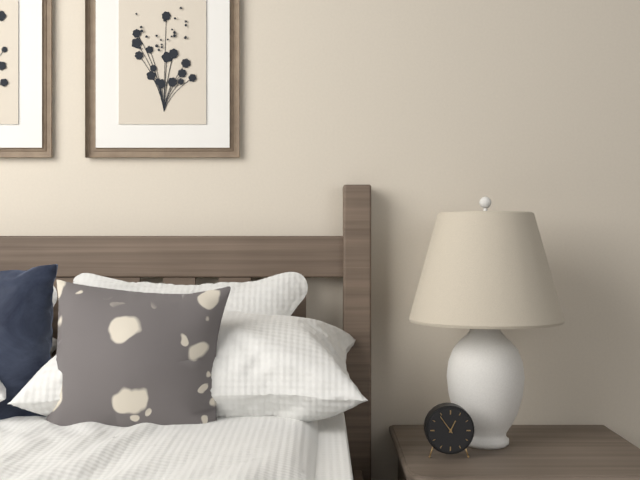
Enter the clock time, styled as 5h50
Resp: 12h54
